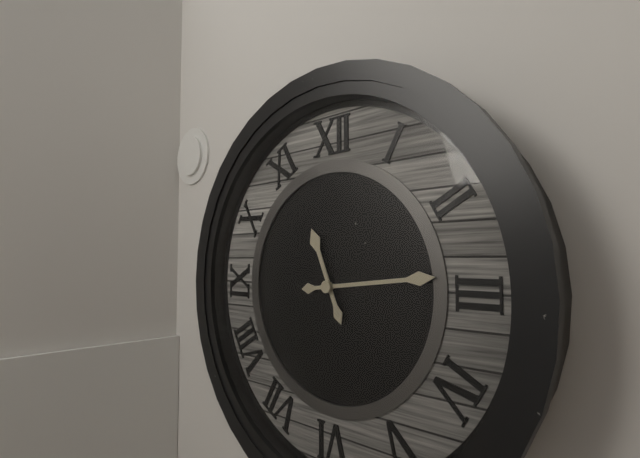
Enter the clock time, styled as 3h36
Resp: 11h14
